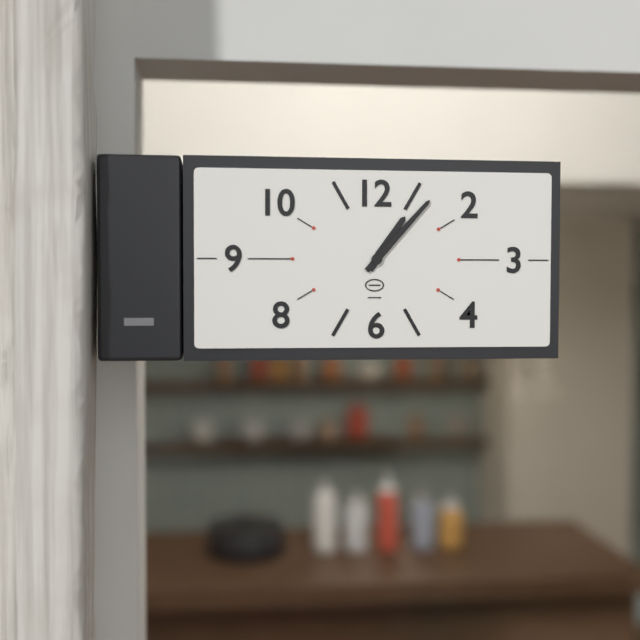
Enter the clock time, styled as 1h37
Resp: 1h07
